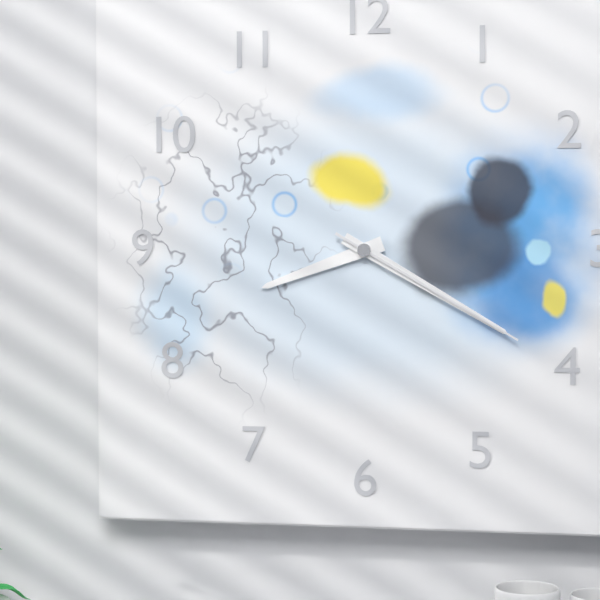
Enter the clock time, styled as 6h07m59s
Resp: 8h20m20s
